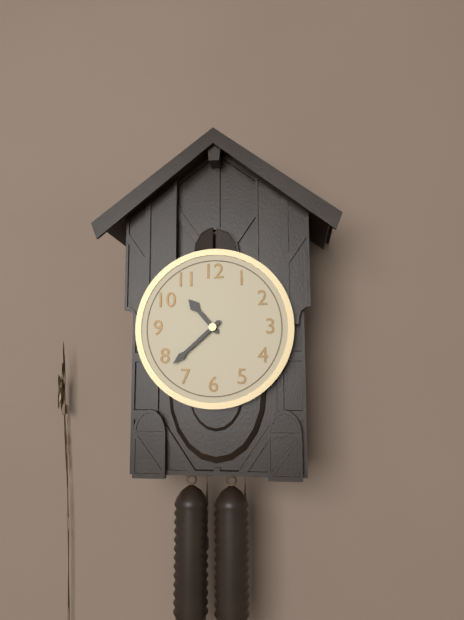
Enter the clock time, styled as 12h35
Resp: 10h38
